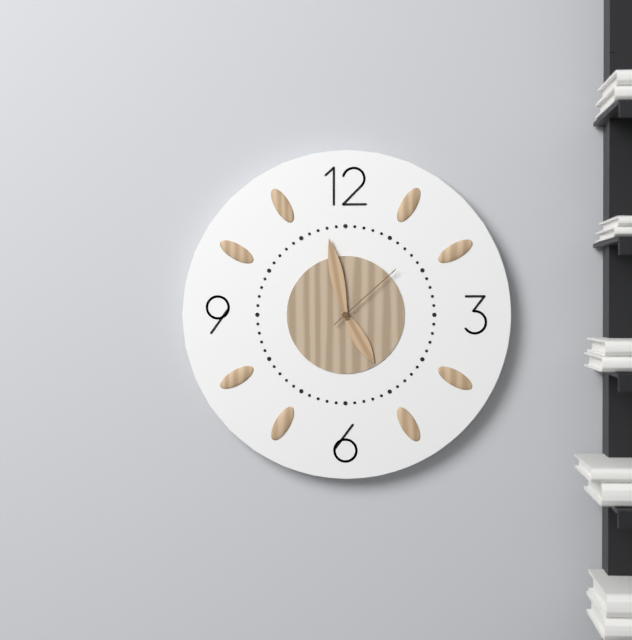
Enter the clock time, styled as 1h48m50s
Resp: 4h58m08s
